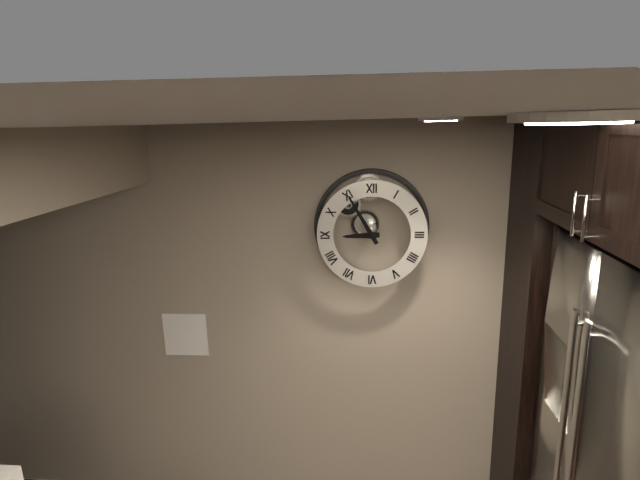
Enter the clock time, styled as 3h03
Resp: 8h55
